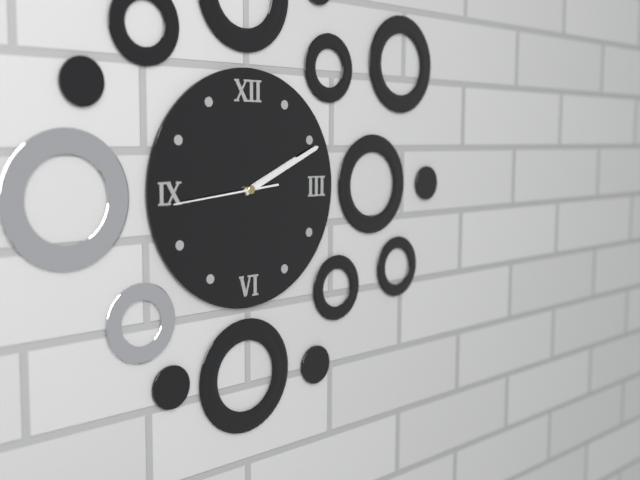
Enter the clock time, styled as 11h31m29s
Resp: 2h11m44s
